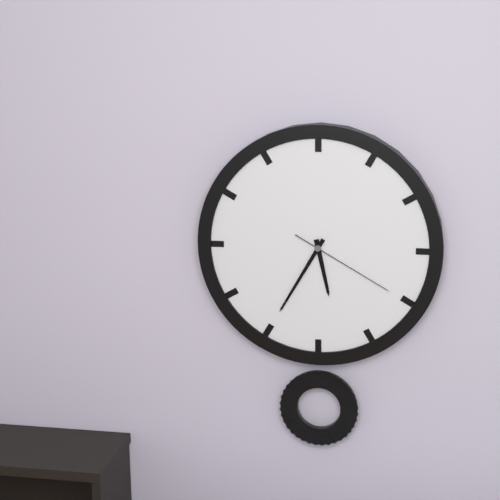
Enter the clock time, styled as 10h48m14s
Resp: 5h35m20s
